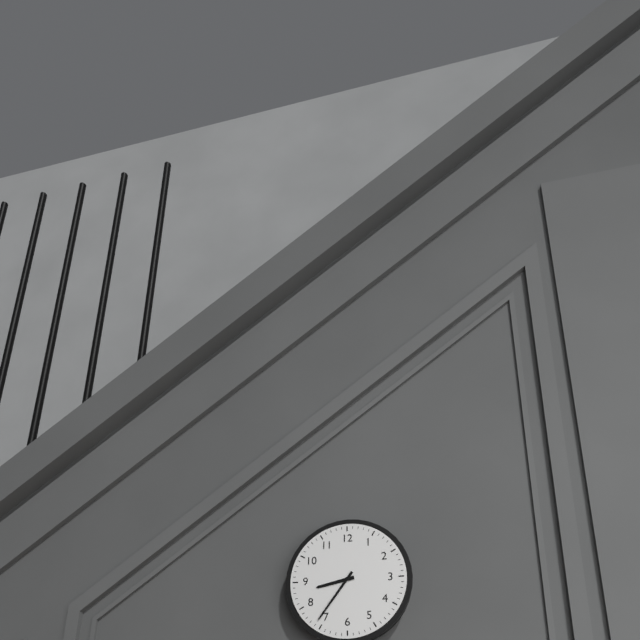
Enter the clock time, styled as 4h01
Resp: 8h36
